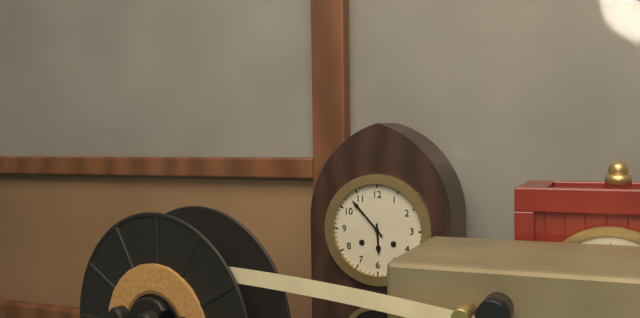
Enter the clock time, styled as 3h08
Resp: 5h53
